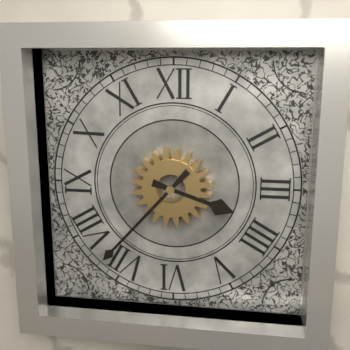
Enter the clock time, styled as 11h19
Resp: 3h37
